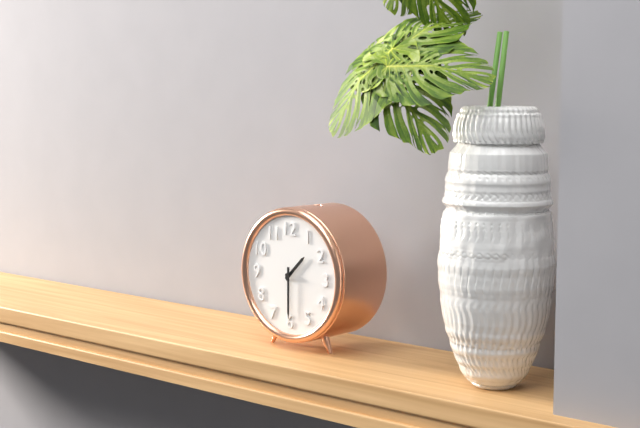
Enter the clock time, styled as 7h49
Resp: 1h30
